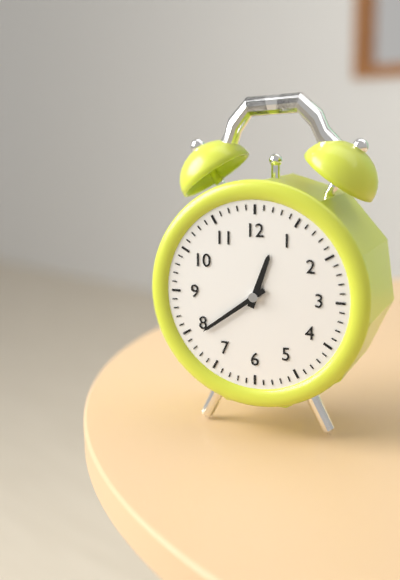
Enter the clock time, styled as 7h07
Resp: 12h39
